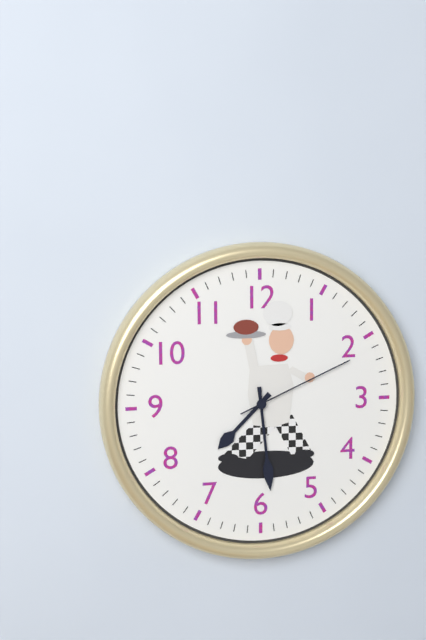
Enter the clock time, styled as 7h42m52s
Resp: 7h29m11s
